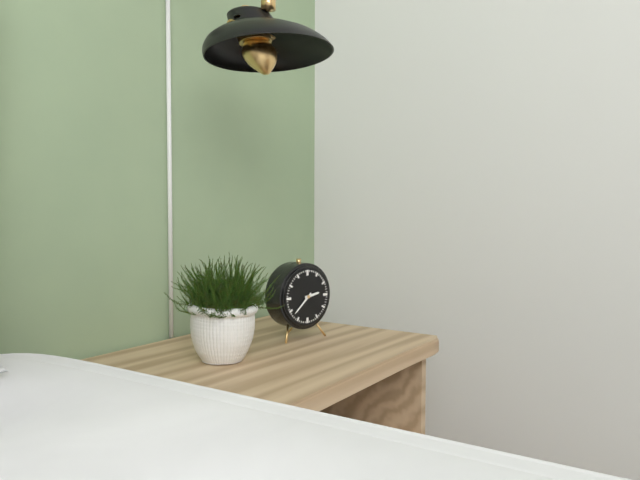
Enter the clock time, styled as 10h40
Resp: 2h38
